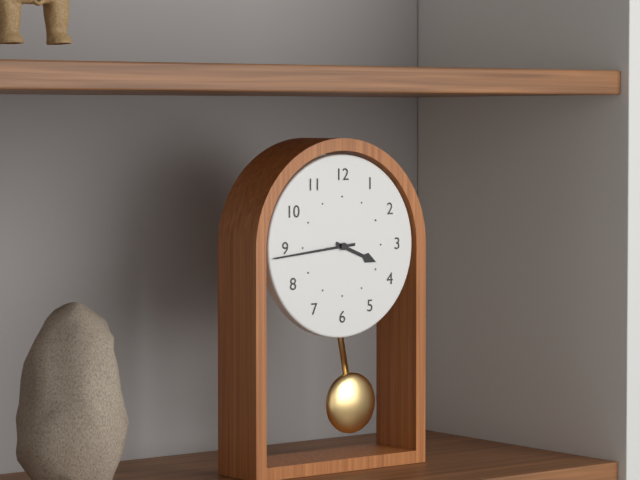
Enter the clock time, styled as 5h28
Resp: 3h44
